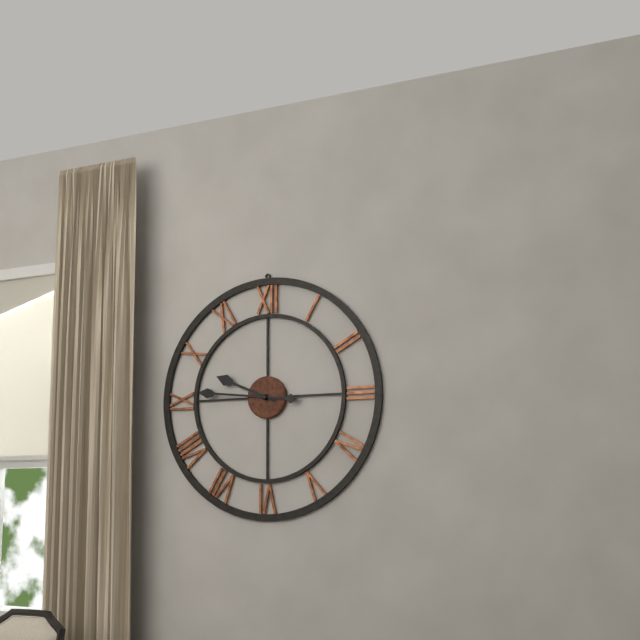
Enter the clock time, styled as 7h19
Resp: 9h46
